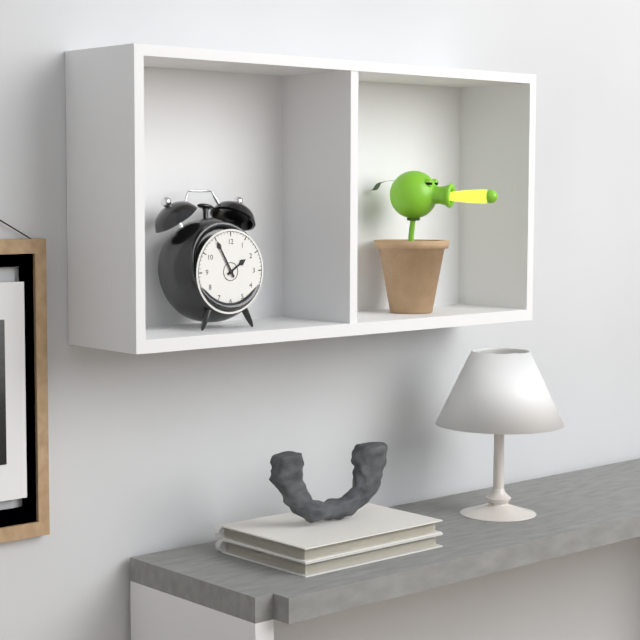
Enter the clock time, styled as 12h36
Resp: 1h55
